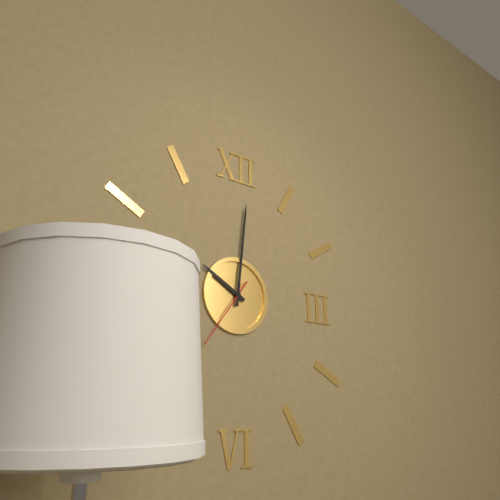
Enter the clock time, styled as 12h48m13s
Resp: 10h01m36s
